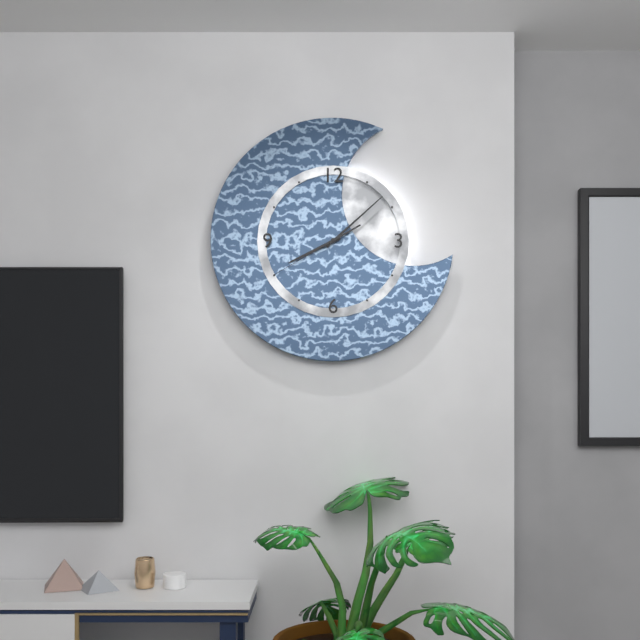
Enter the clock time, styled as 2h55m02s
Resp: 8h08m40s
